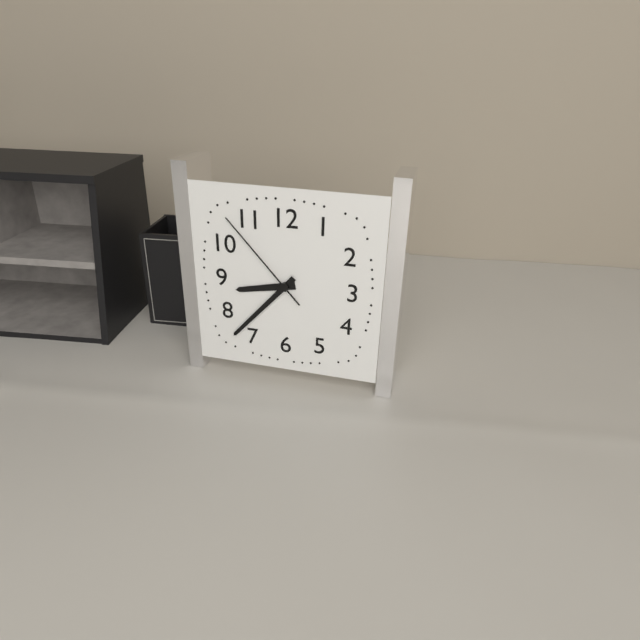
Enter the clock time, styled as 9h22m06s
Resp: 8h37m53s
